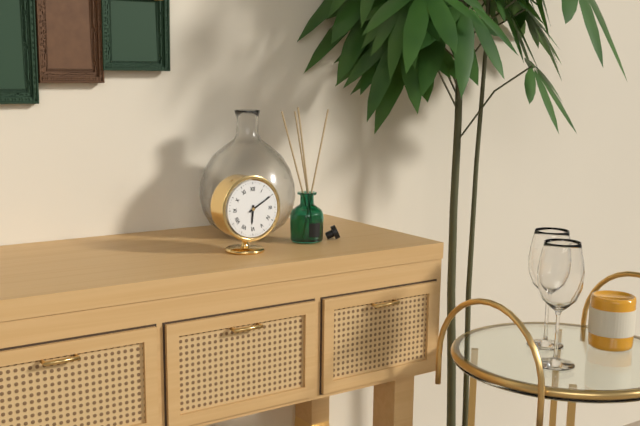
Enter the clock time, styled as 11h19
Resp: 6h10
